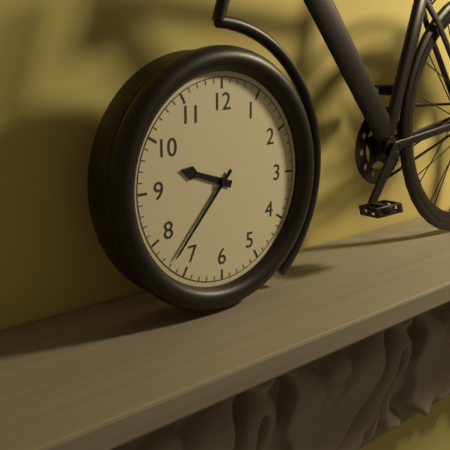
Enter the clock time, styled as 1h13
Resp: 9h37
